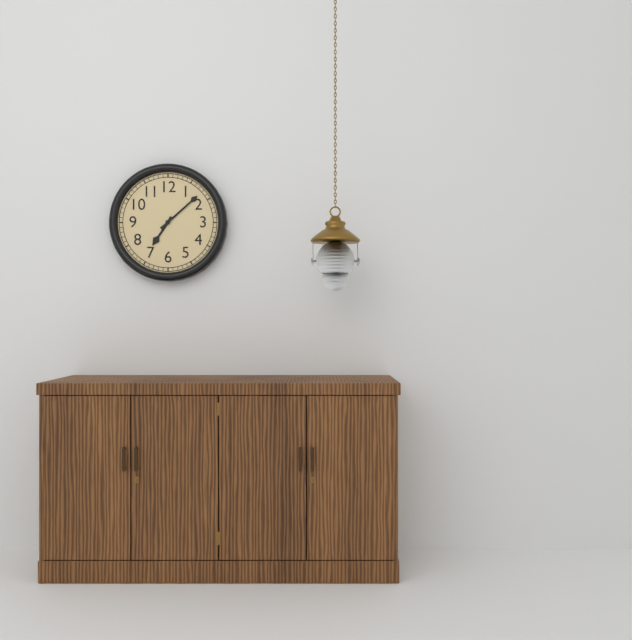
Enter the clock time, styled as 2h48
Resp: 7h08
